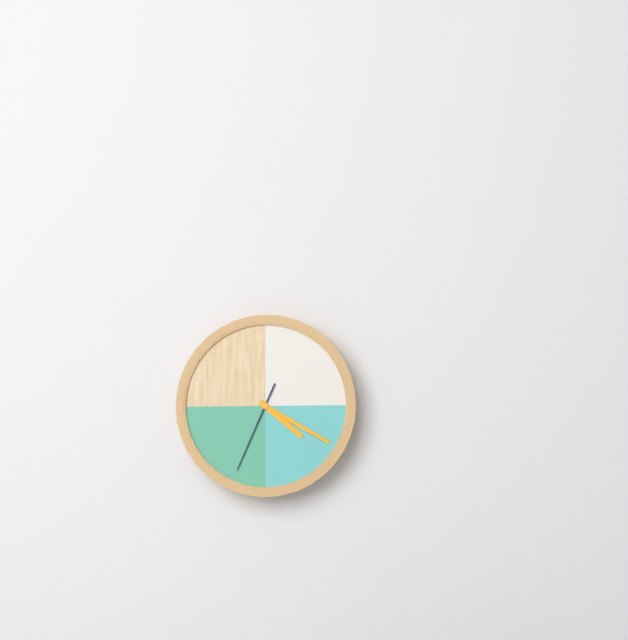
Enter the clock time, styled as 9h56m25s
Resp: 4h20m34s
